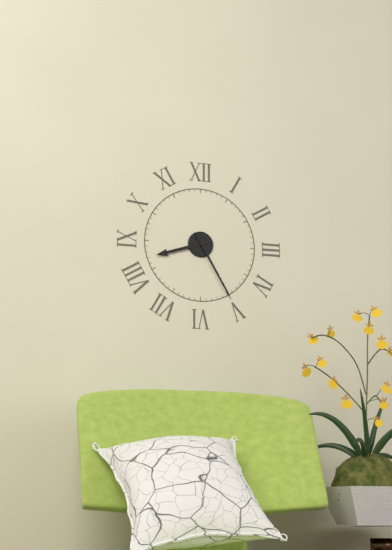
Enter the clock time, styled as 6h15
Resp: 8h25
